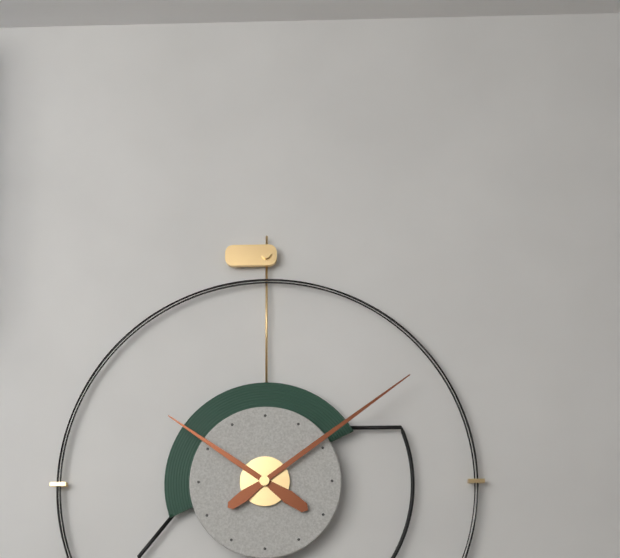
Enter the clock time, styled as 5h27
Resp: 10h09
